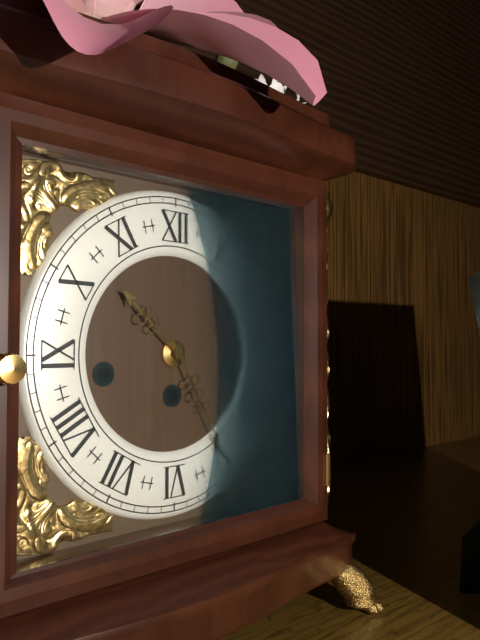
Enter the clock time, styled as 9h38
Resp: 10h25
